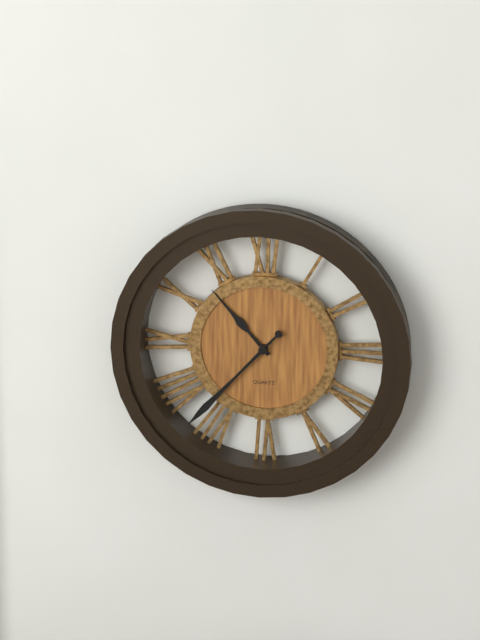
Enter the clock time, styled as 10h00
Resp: 10h37
